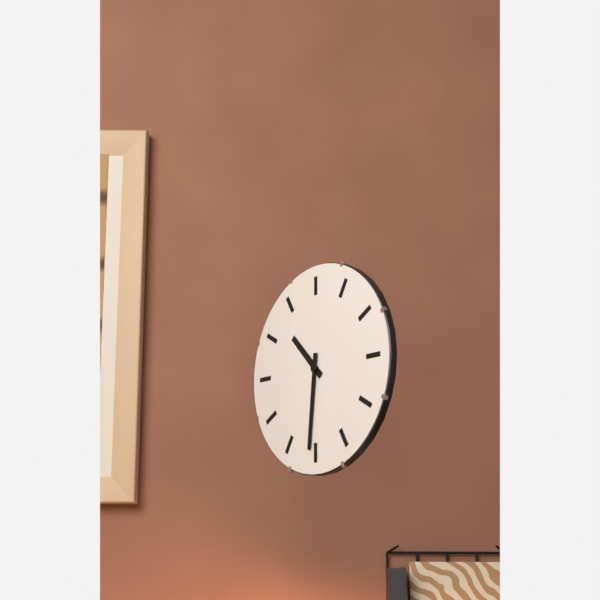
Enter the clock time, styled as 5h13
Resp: 10h31
